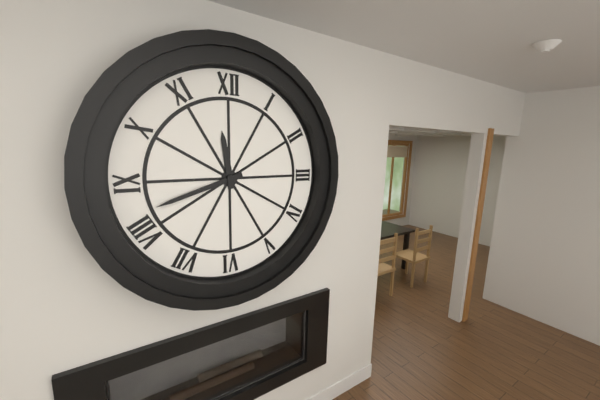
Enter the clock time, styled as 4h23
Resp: 11h42
